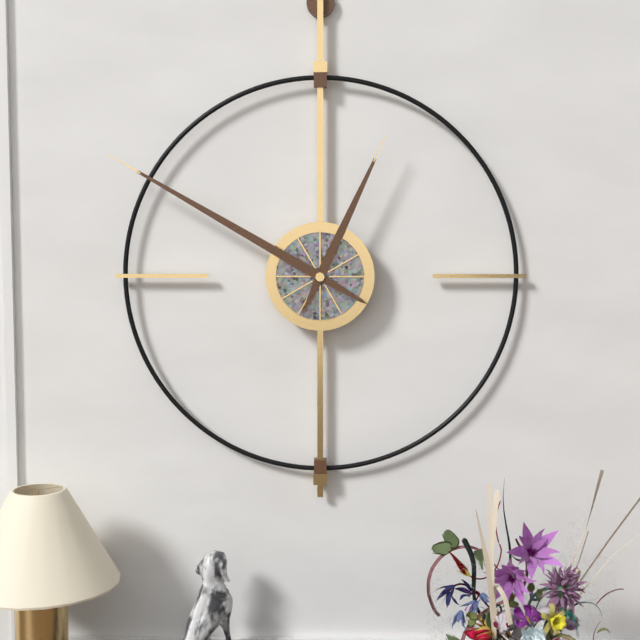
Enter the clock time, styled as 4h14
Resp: 12h50
